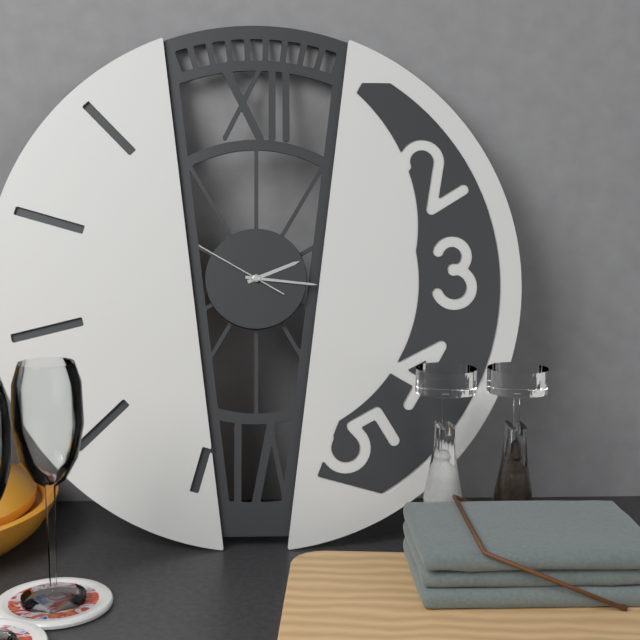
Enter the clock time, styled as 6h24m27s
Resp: 2h16m50s
